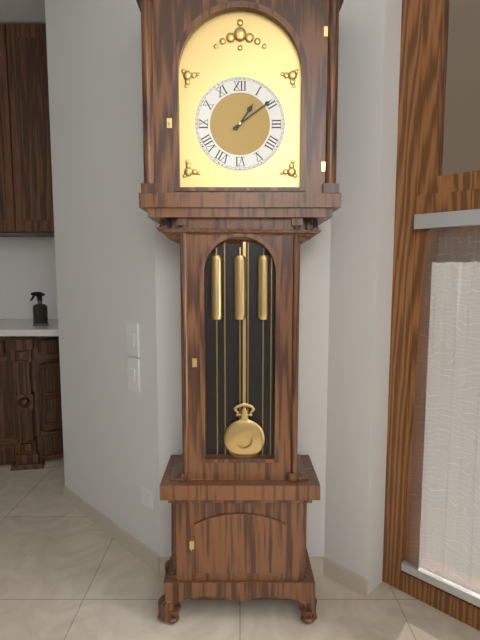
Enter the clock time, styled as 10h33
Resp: 1h09
